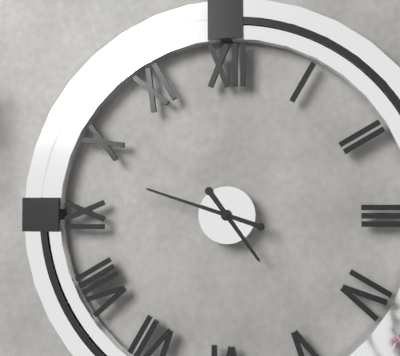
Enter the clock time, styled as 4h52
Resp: 4h48
